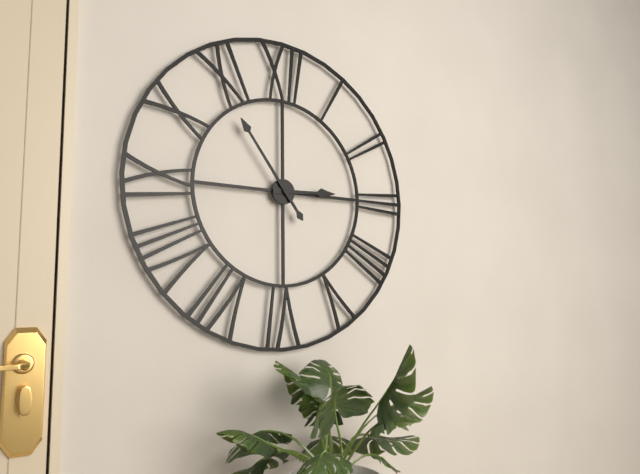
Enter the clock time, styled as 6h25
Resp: 2h54
